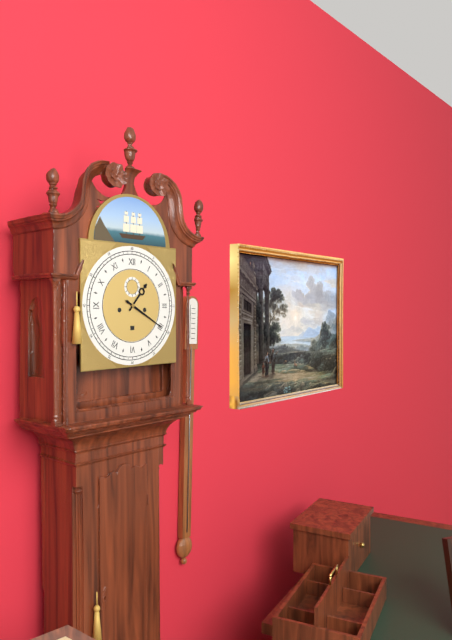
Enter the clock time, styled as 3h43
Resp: 1h20
